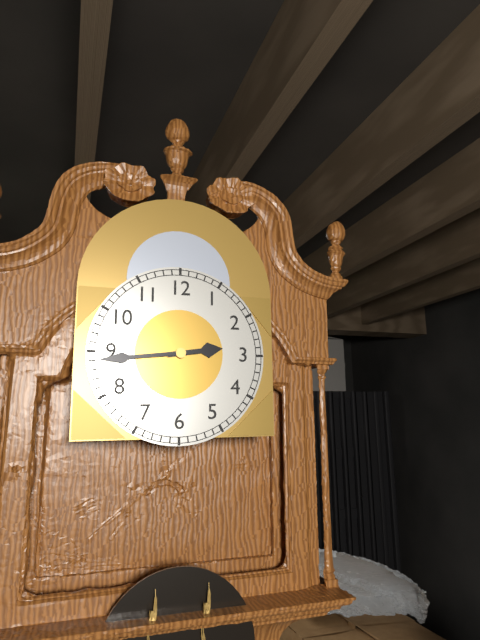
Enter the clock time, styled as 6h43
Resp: 2h44
